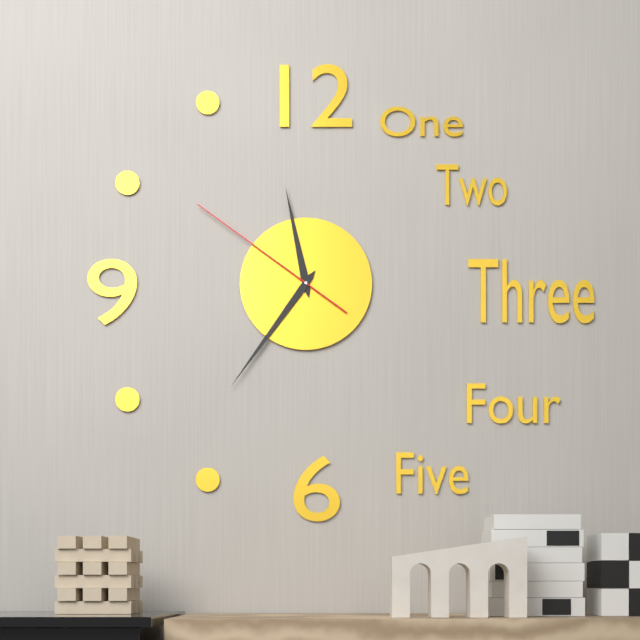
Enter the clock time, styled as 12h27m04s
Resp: 11h36m51s
